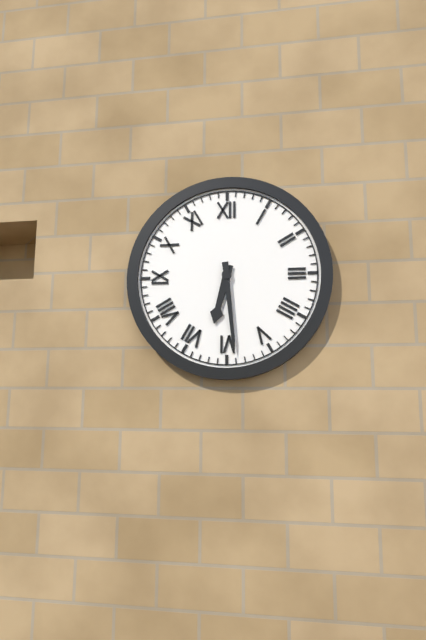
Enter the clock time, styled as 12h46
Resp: 6h29
